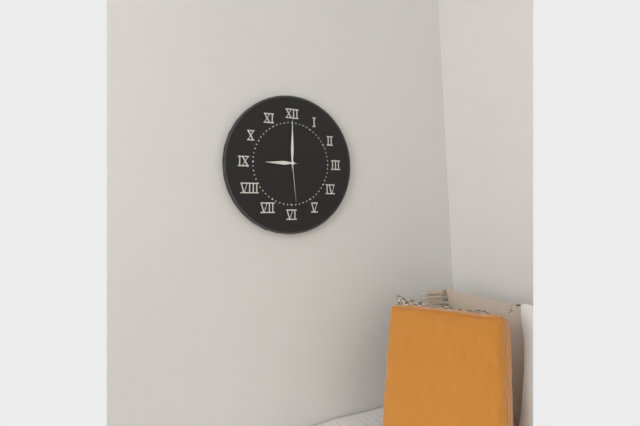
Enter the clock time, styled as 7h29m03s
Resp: 9h00m29s
